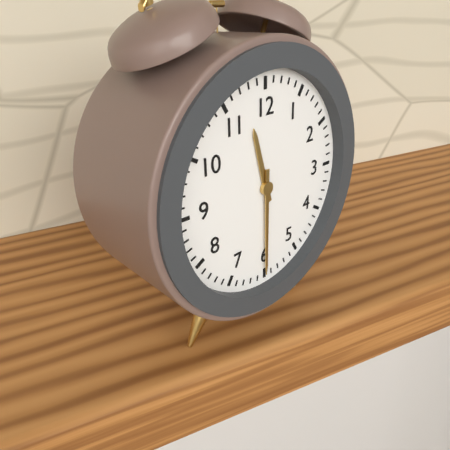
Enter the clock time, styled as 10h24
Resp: 11h30
